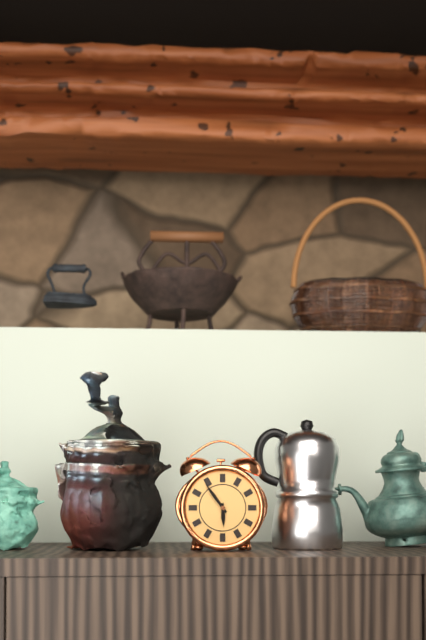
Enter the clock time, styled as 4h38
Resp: 5h54
